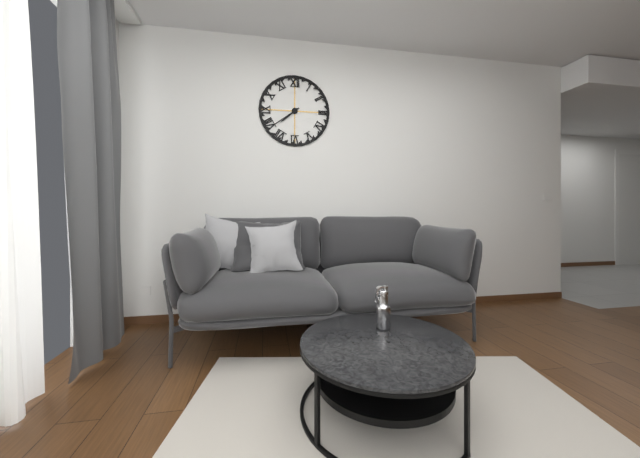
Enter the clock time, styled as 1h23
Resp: 7h39
